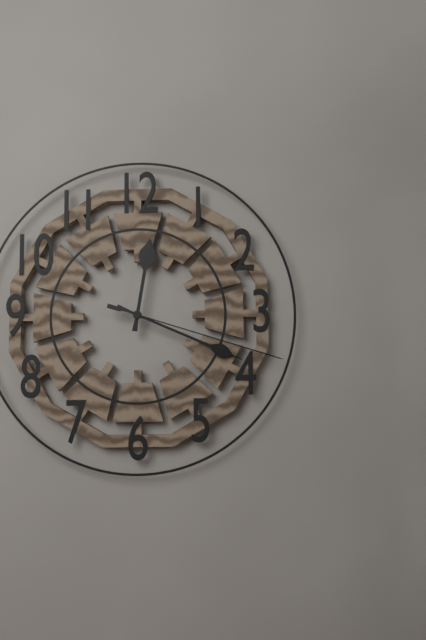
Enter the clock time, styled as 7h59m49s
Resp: 12h19m18s
